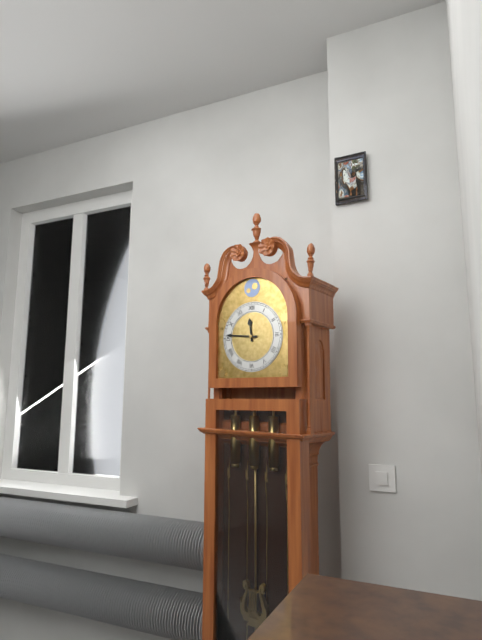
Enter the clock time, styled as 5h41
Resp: 11h46
